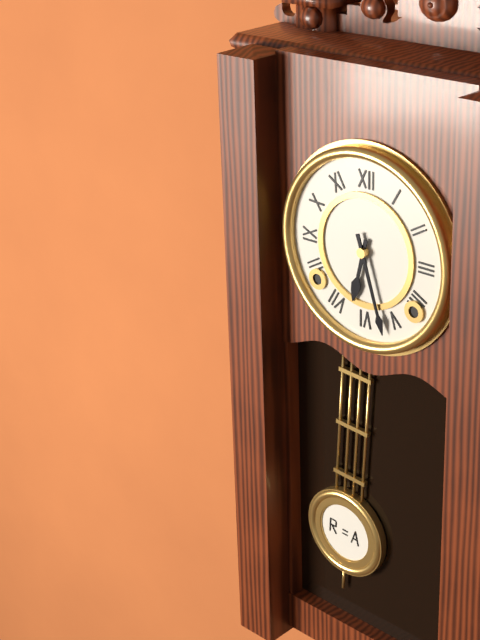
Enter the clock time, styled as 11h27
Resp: 6h27
